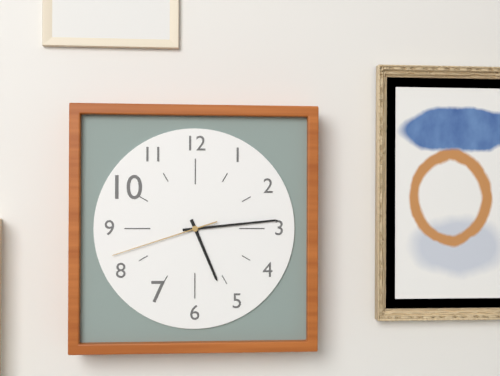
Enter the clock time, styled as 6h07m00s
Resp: 5h14m42s
